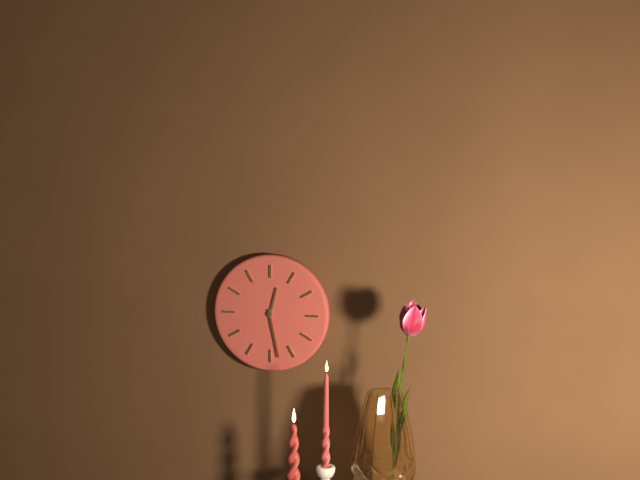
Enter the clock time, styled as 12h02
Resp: 12h28
